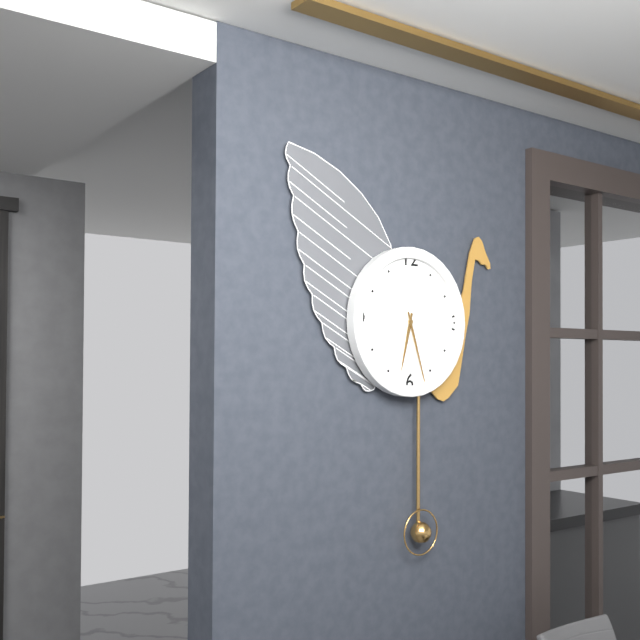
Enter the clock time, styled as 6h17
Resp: 6h27
